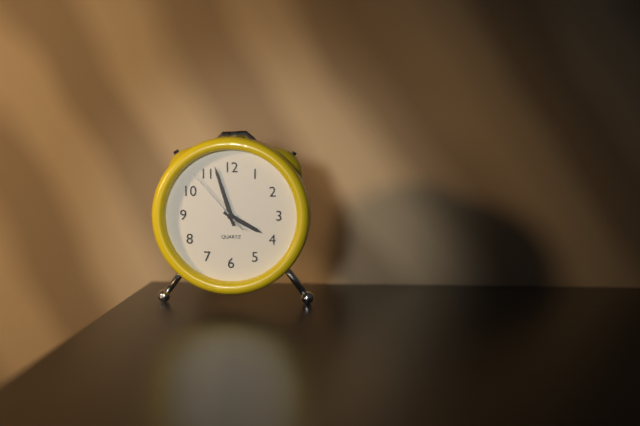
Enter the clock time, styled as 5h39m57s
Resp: 3h57m53s
